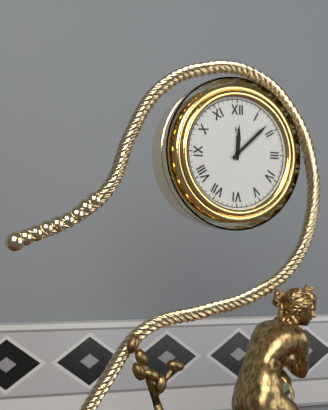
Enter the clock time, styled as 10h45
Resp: 12h08
